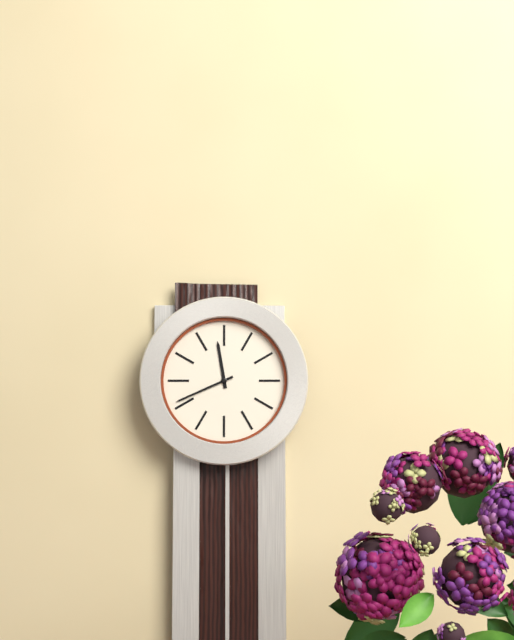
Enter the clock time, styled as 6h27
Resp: 11h41
